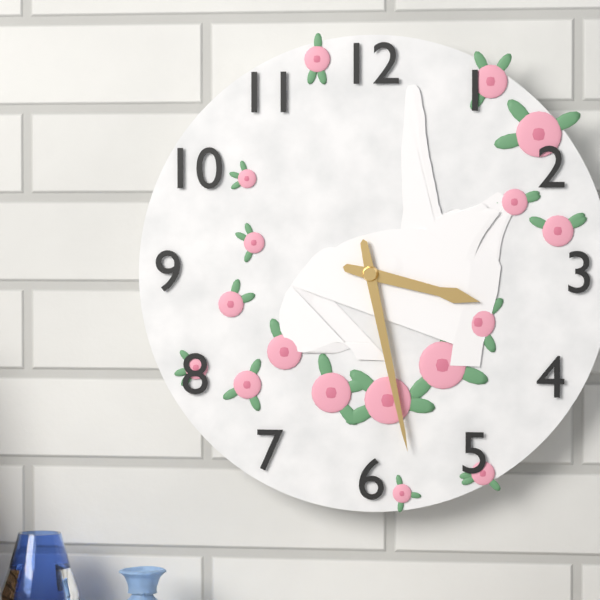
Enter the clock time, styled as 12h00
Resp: 3h28
